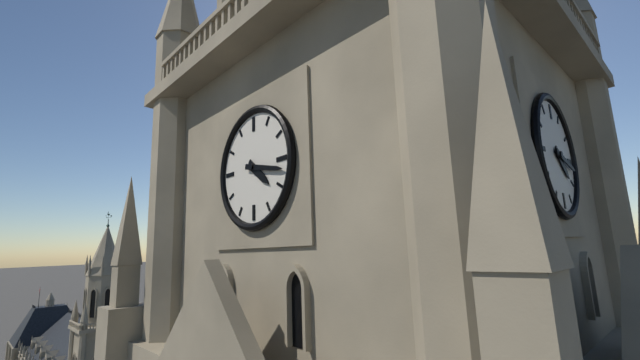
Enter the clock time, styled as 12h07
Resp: 4h17
